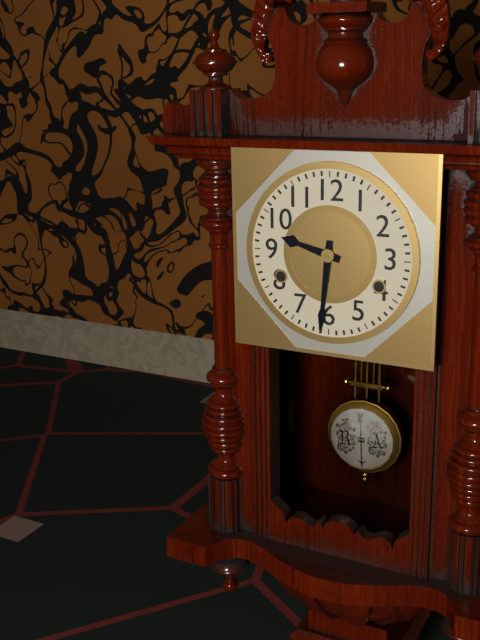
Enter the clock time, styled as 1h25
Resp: 9h31
